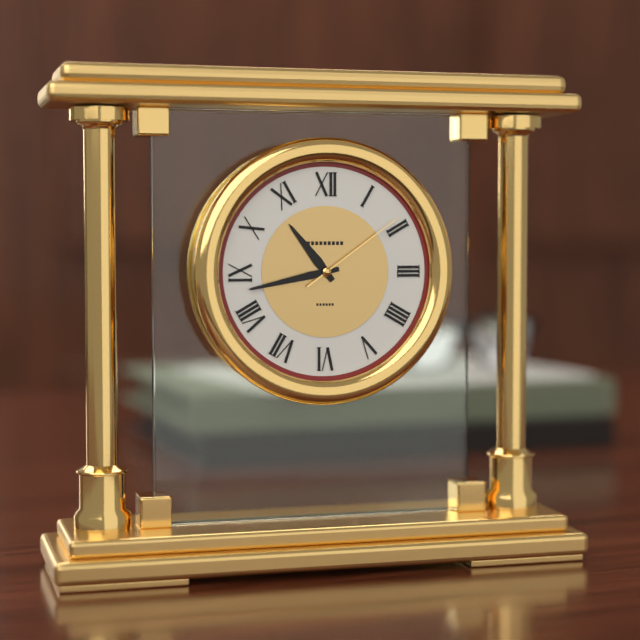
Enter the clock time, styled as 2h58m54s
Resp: 10h43m09s
